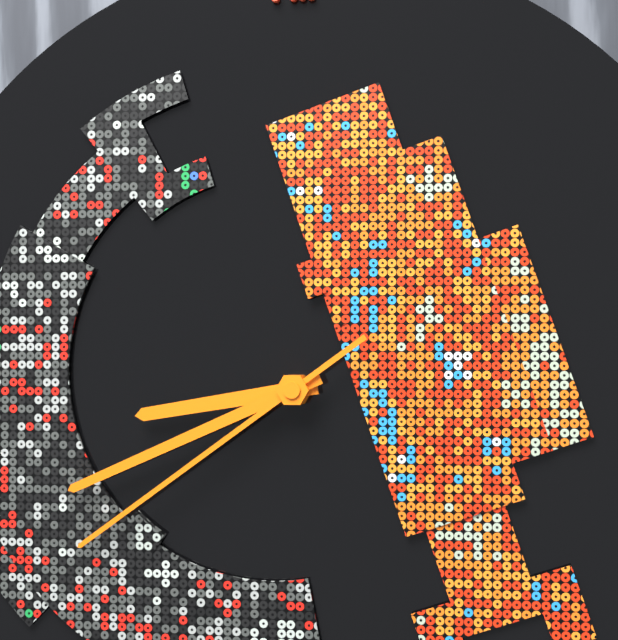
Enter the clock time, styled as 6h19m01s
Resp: 8h41m39s
